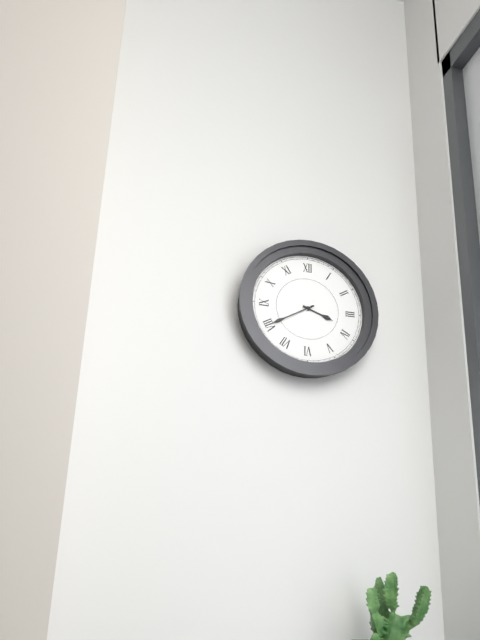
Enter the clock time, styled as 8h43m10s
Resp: 3h40m36s
